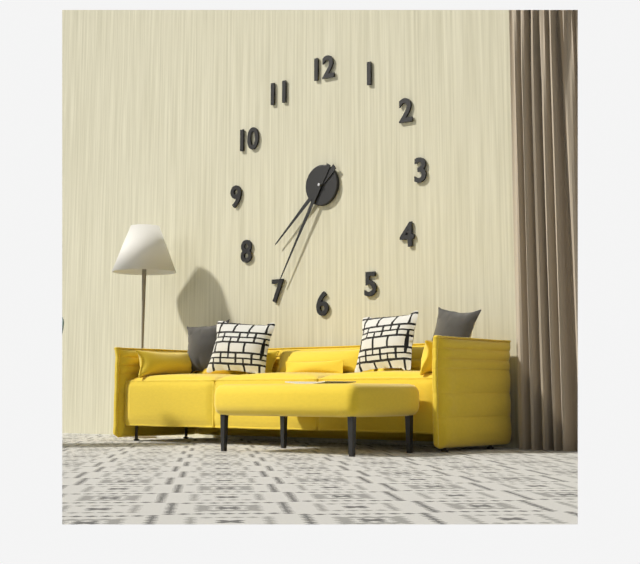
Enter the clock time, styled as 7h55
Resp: 7h35
